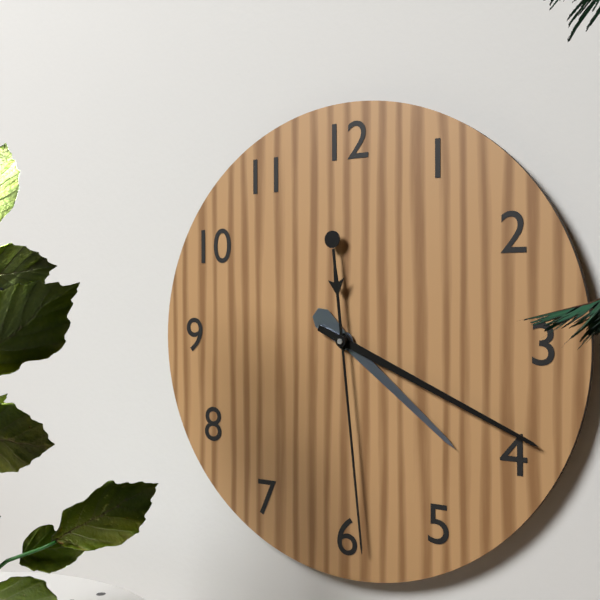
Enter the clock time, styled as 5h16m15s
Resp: 4h19m29s
